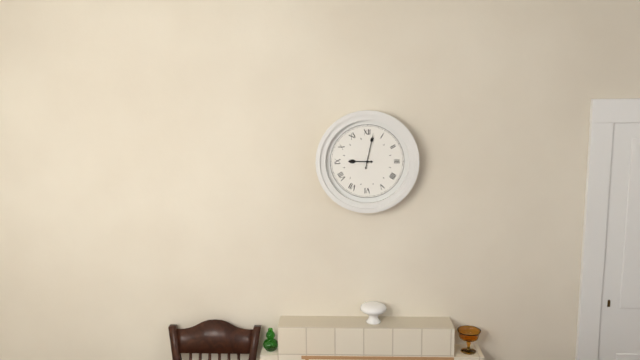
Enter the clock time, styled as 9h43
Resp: 9h02
